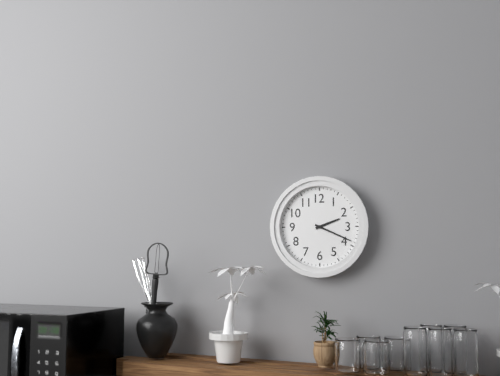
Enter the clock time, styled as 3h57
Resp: 2h19
